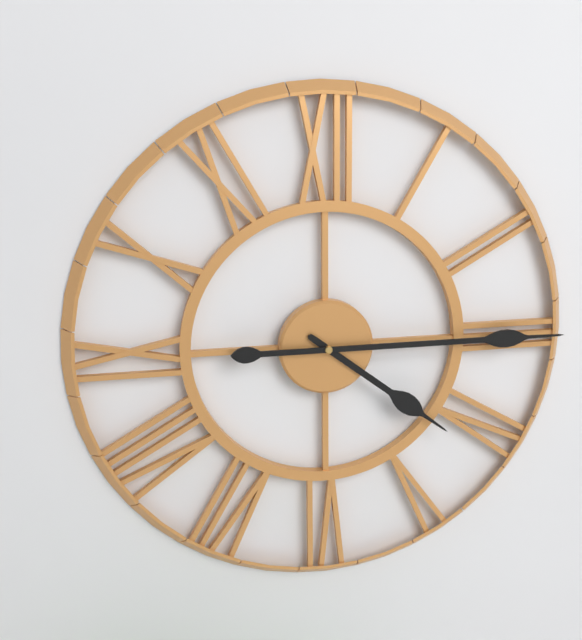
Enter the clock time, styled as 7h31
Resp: 4h15
